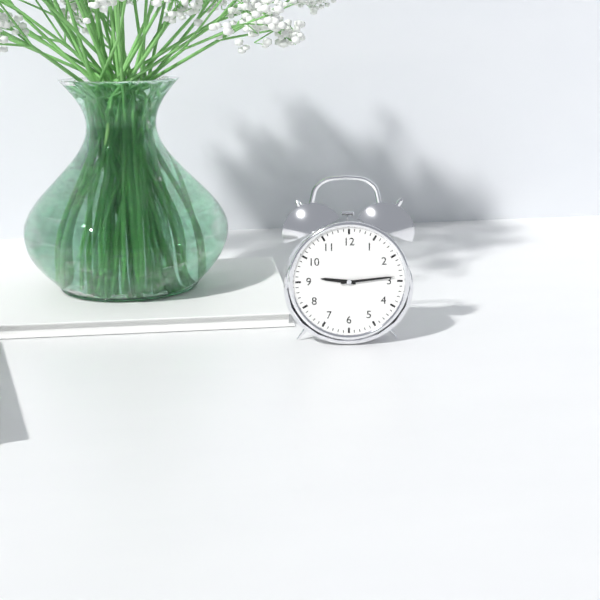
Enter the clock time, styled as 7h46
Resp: 9h14
